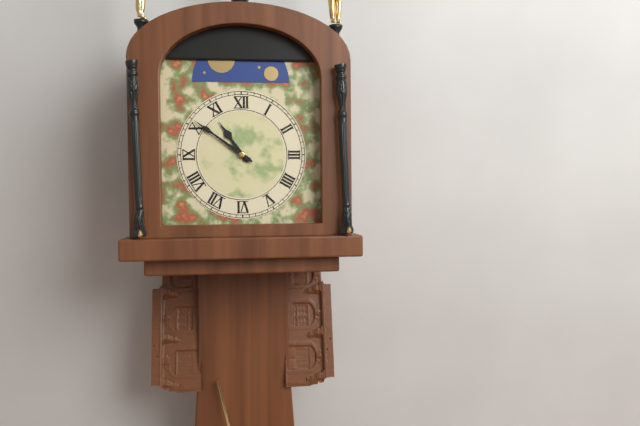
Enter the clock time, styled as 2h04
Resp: 10h51
